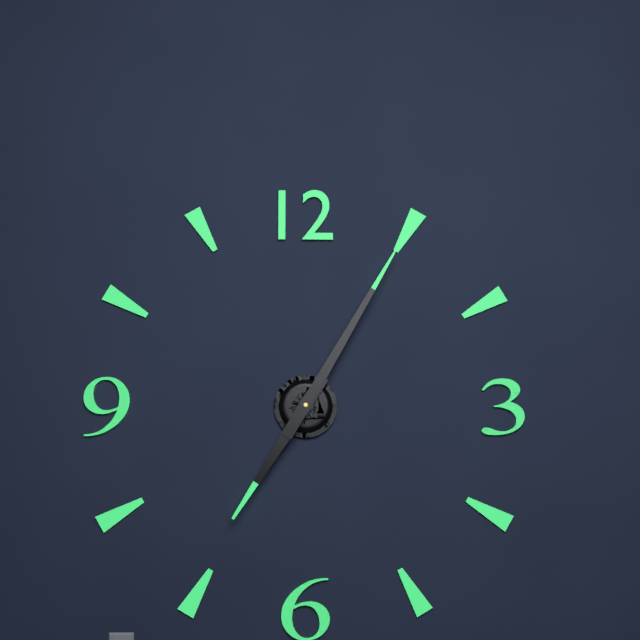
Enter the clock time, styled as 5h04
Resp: 7h05
